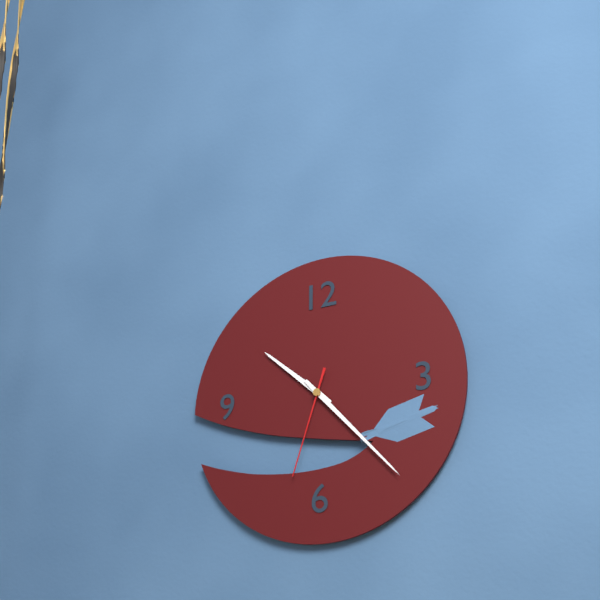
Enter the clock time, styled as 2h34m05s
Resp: 10h23m33s
